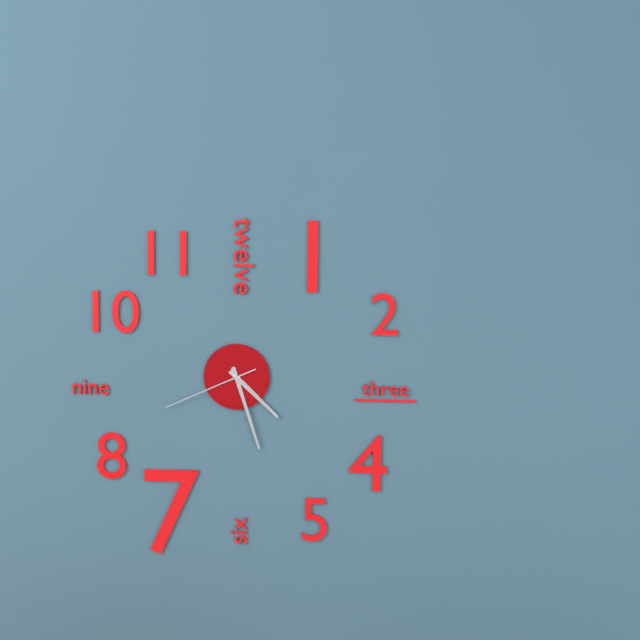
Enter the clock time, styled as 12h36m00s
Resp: 4h27m41s
